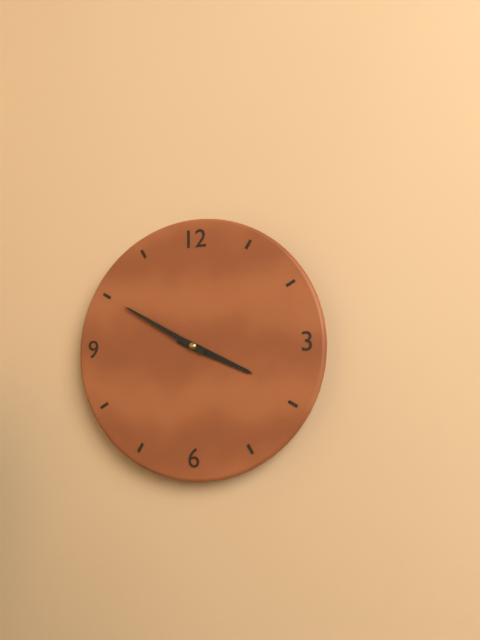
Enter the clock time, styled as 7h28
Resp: 3h50
